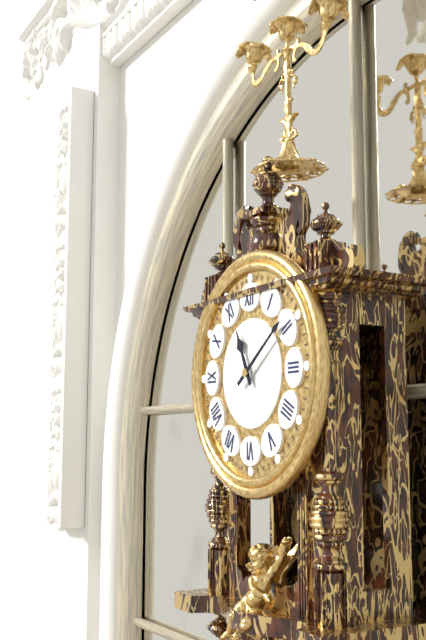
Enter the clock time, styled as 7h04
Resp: 11h09
